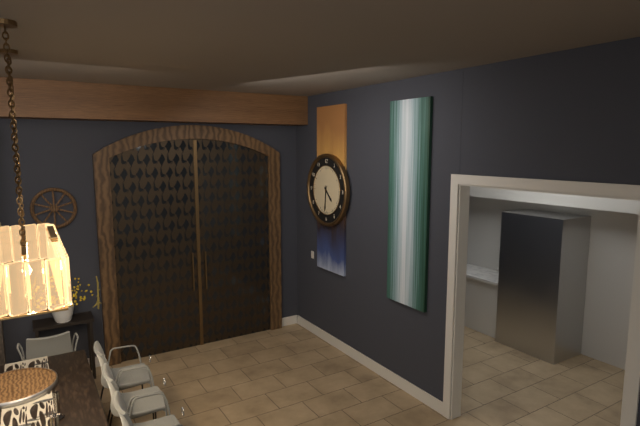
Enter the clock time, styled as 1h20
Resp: 4h31
